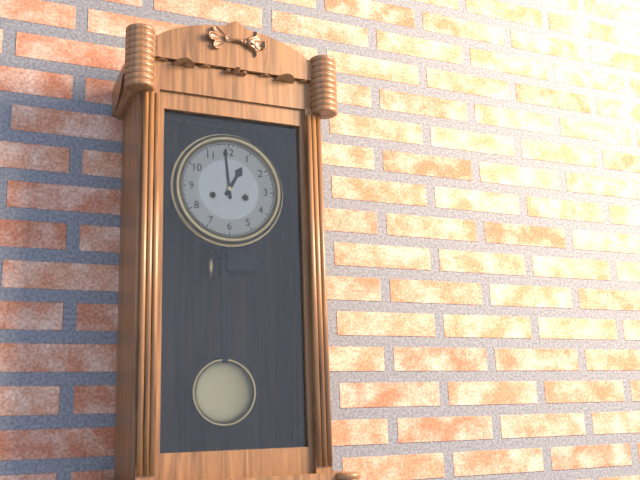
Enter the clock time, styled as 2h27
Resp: 12h59
